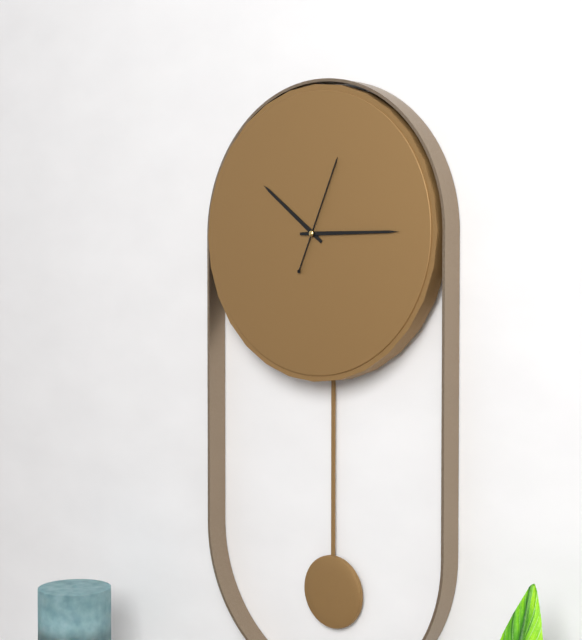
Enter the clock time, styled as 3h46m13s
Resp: 10h15m04s
